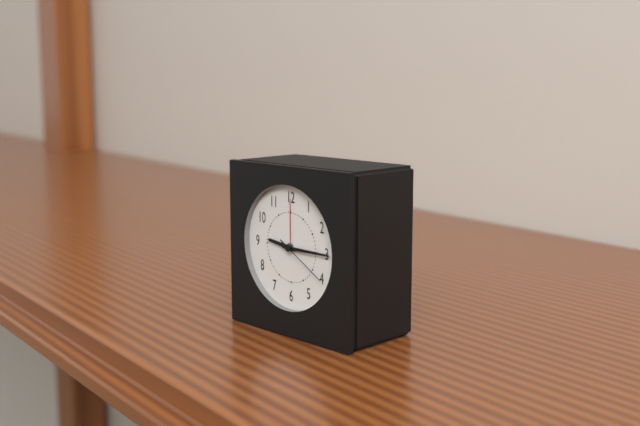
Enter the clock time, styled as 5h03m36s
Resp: 9h15m20s
